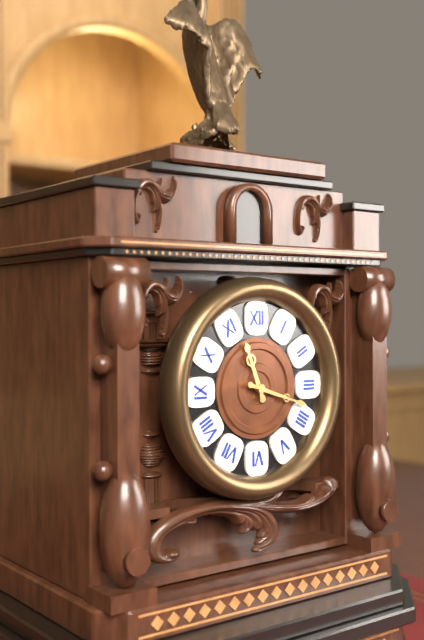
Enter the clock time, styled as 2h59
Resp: 11h18
